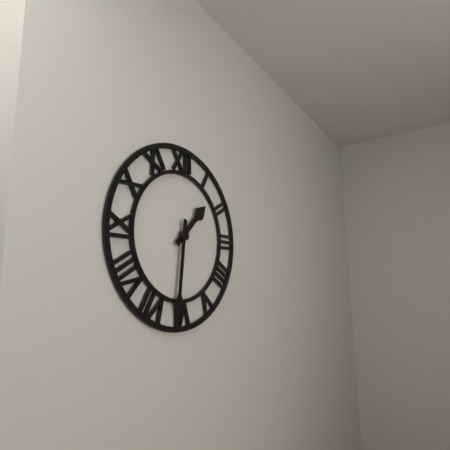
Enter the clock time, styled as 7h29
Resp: 1h31
